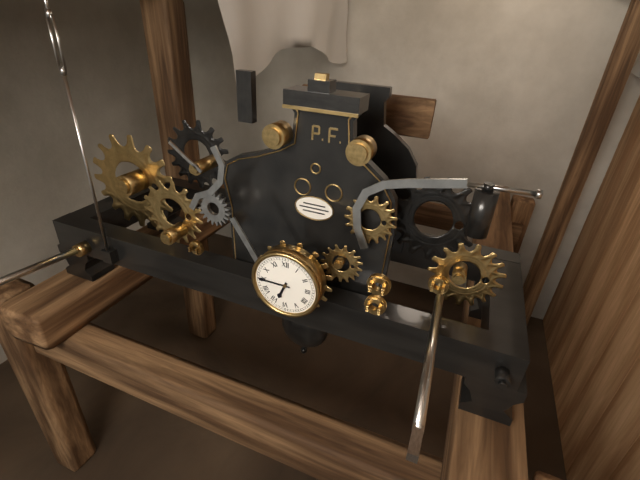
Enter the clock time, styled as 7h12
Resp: 6h45
